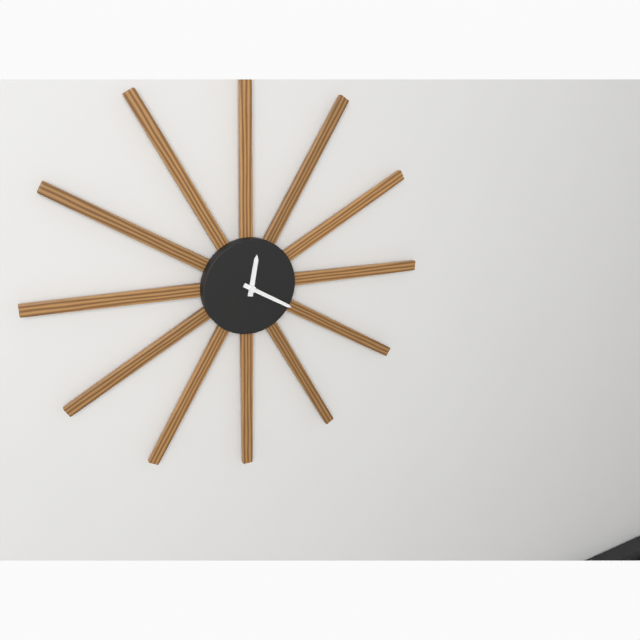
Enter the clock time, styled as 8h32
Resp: 12h20
